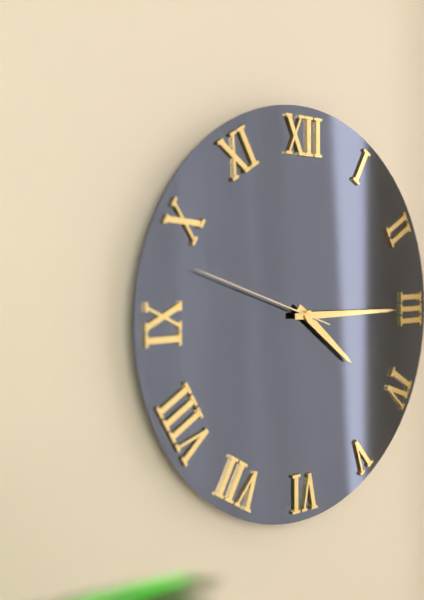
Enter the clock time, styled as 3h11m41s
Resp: 4h15m48s
